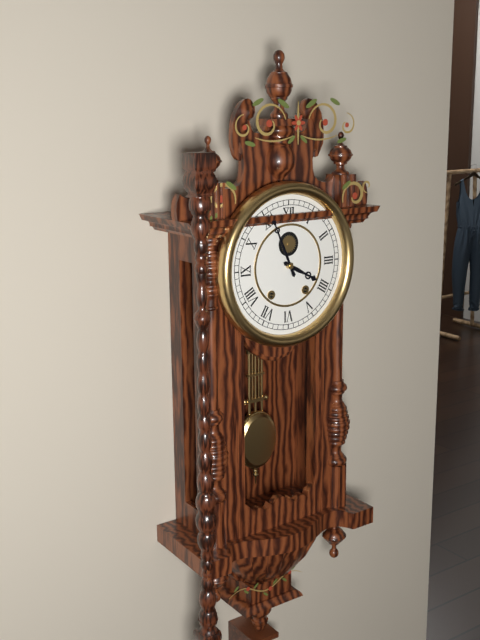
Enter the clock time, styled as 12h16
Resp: 3h56
